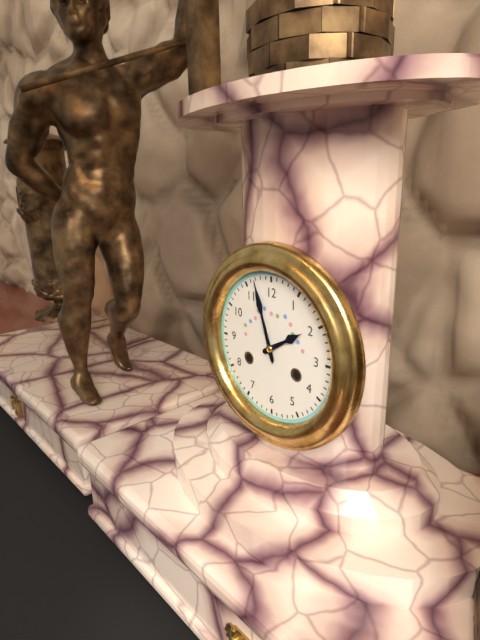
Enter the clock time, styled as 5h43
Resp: 1h57
